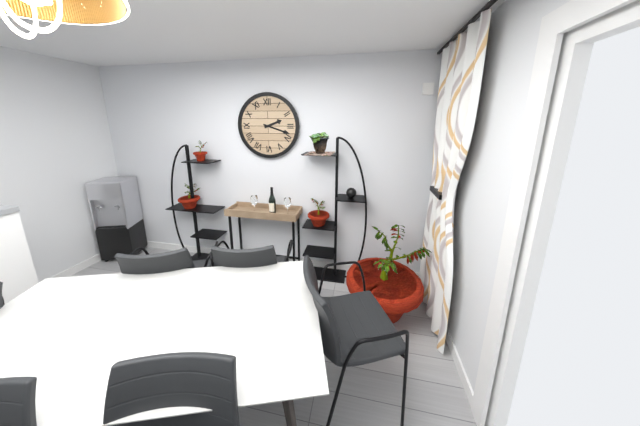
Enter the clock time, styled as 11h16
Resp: 2h18
